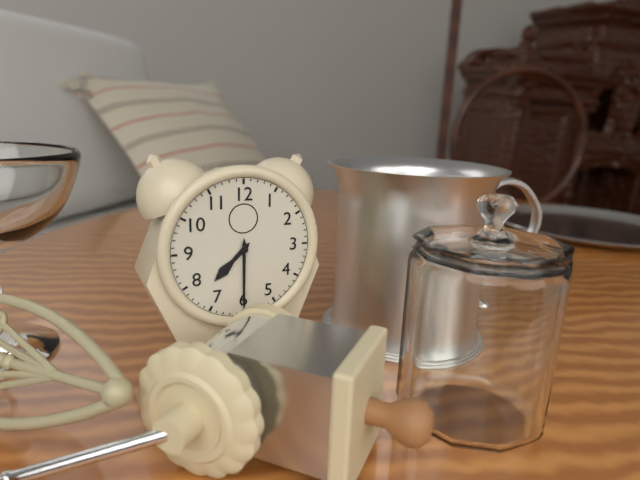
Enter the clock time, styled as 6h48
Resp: 7h30
